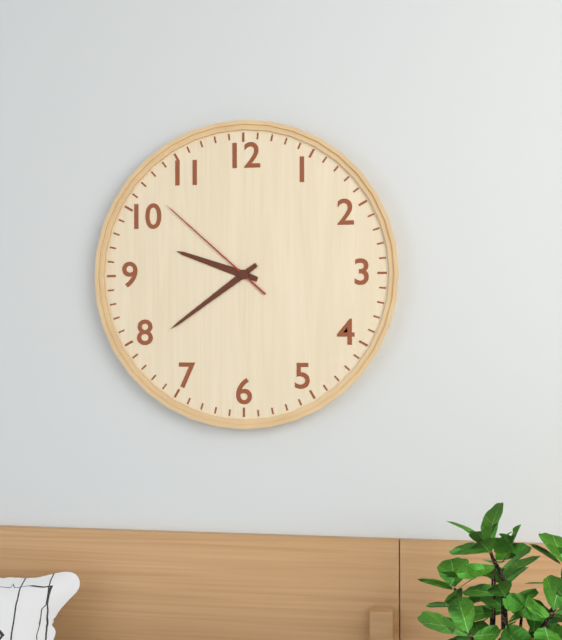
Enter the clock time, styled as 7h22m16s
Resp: 9h39m52s
